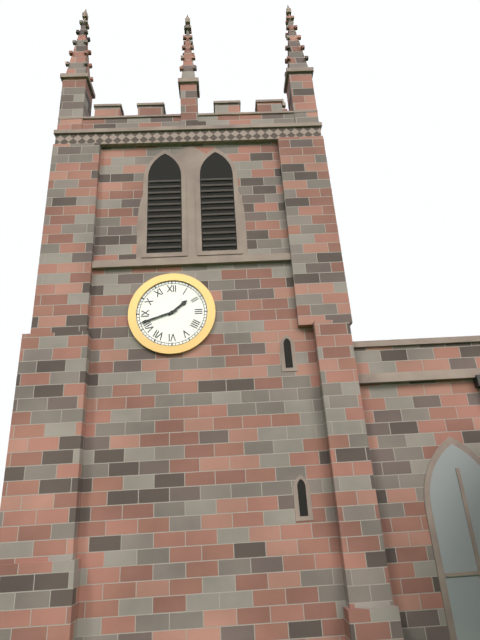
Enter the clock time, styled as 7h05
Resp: 1h42
